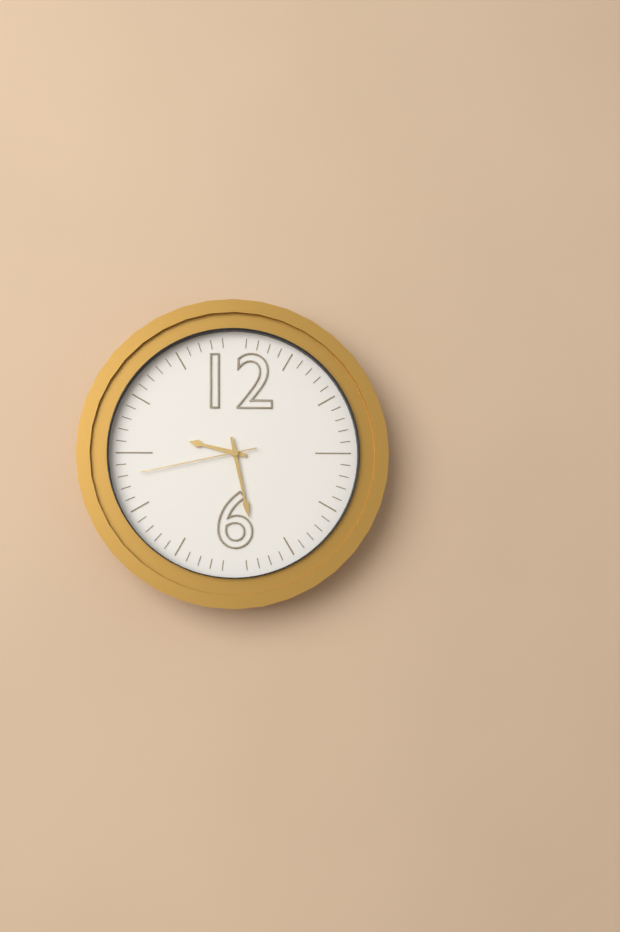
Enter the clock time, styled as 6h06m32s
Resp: 9h28m43s
